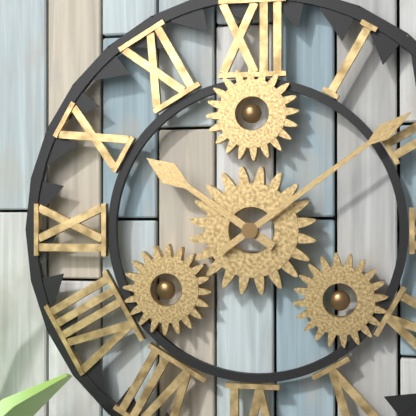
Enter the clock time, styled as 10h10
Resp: 10h09
